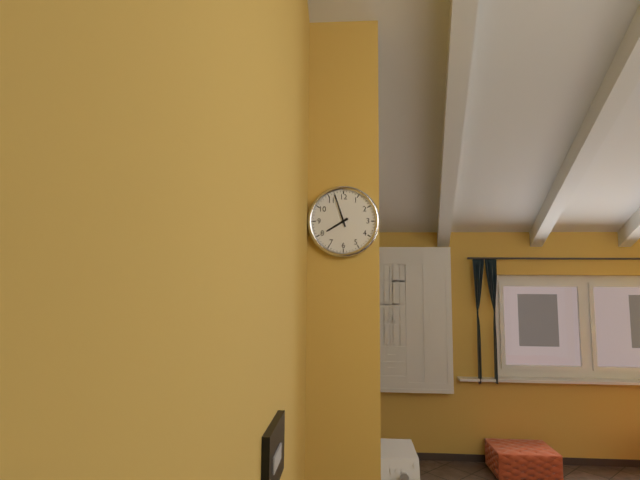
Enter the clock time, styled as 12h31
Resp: 7h57
